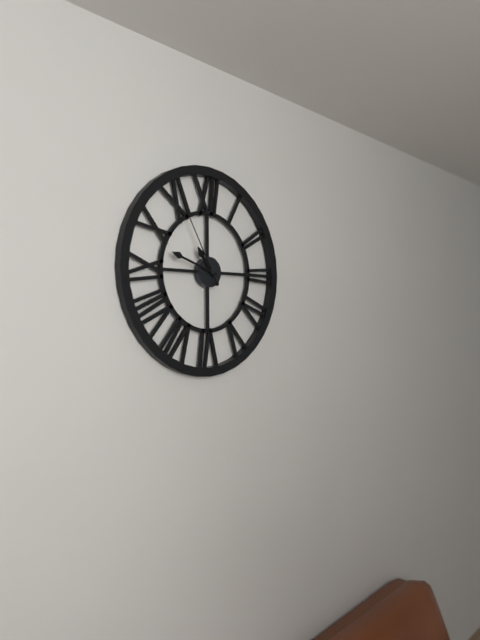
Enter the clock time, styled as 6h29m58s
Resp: 10h48m55s
